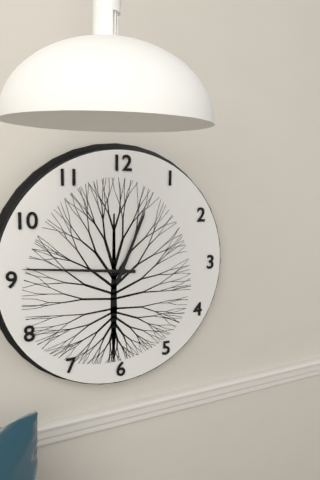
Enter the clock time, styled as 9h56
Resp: 12h46
